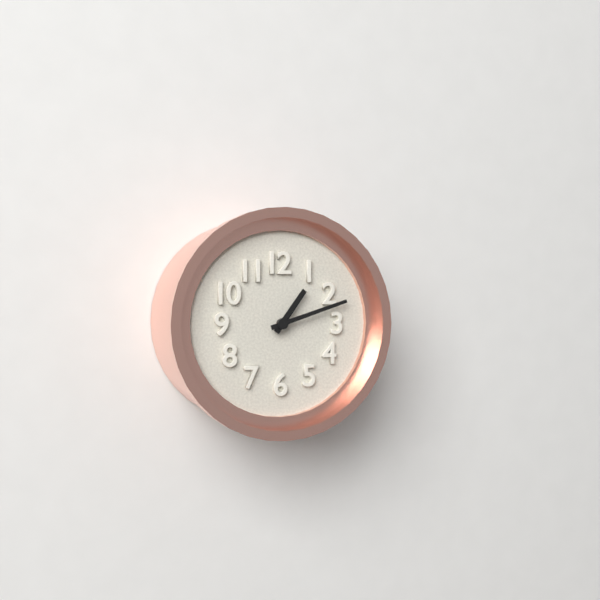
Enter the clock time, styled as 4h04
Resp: 1h12
